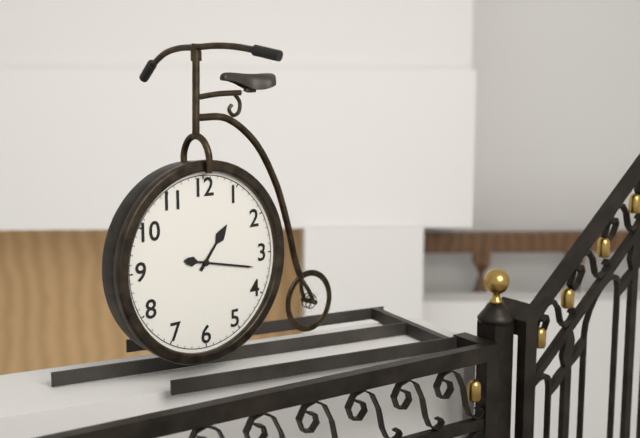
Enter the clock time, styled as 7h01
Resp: 1h17
